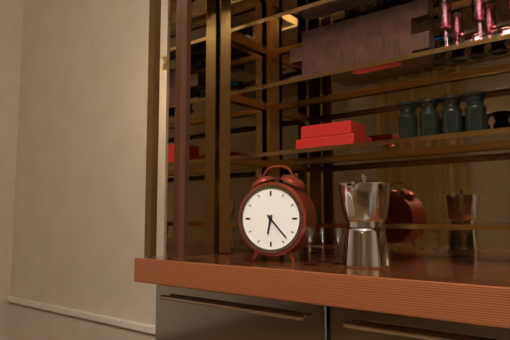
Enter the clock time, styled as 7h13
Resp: 6h23
